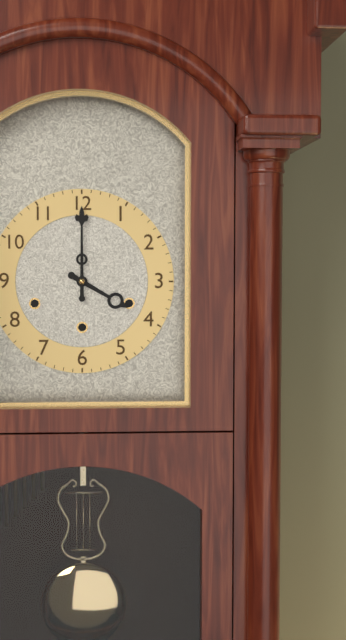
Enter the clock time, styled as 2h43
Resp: 4h00
